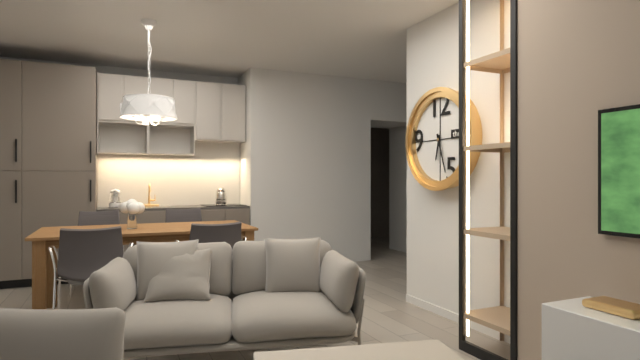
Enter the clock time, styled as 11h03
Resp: 6h27
